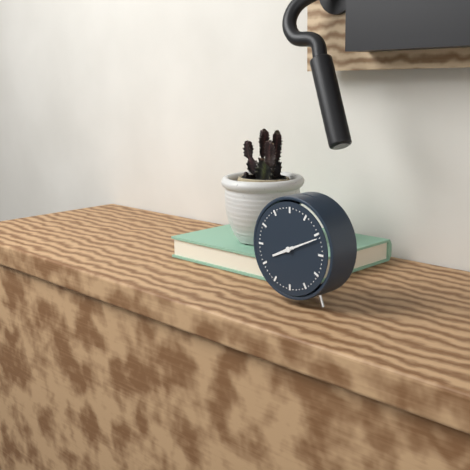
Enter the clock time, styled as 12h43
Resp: 8h11
